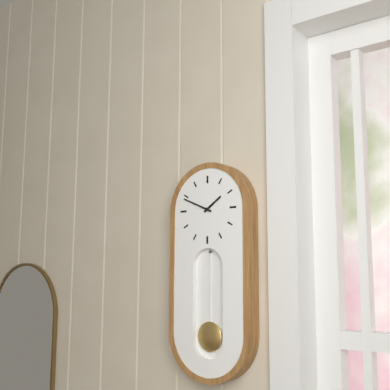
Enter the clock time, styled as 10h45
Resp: 1h49
